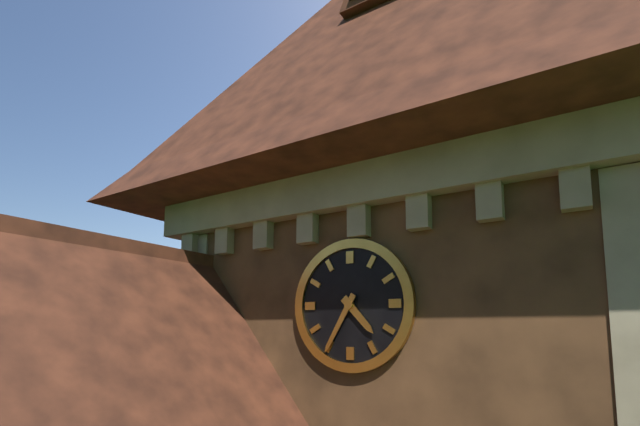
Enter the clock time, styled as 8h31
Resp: 4h35
